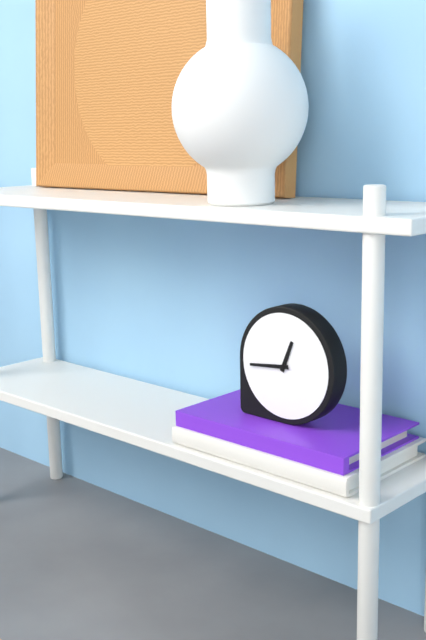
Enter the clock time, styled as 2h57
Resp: 12h44
